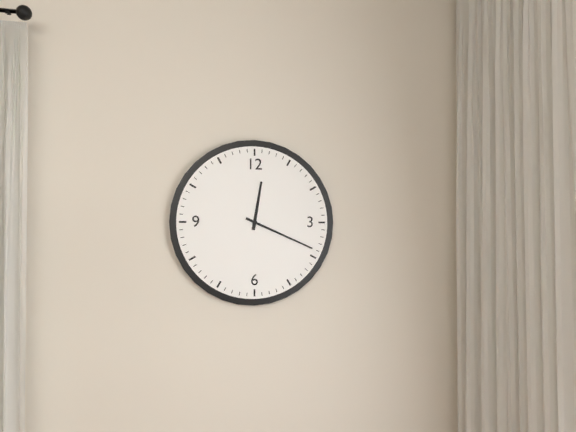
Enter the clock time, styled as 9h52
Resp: 12h19
